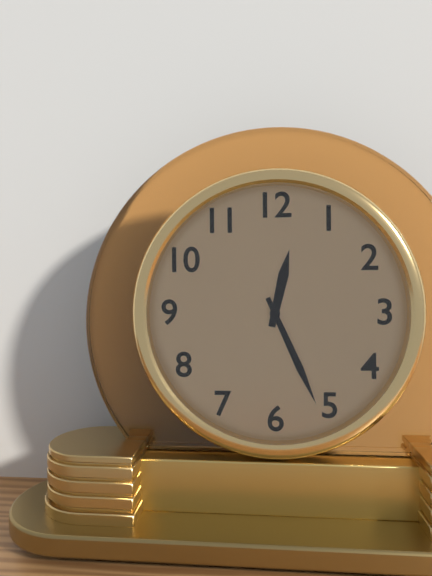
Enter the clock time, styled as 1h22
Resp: 12h26
